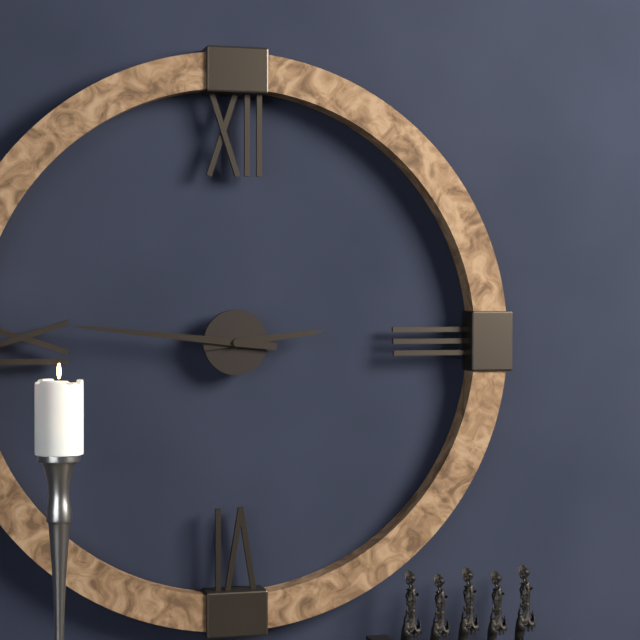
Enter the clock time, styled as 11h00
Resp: 2h46
